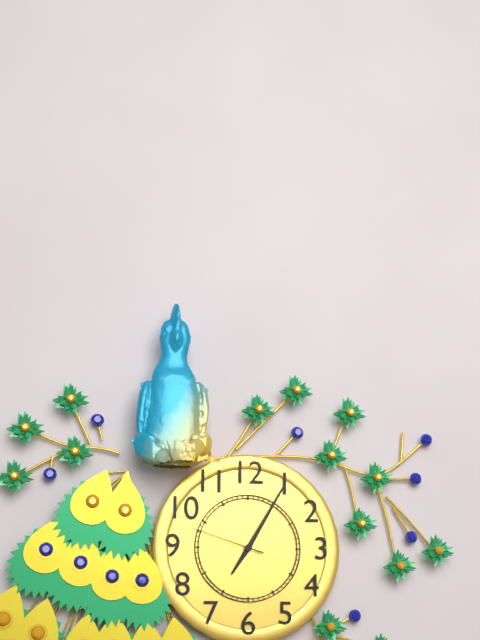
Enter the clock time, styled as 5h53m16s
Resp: 7h05m48s
